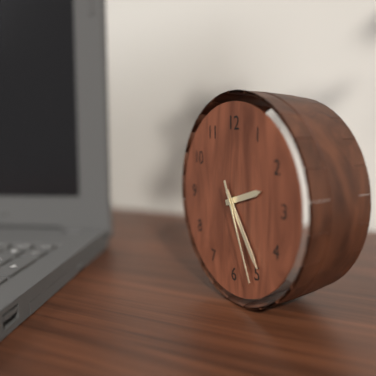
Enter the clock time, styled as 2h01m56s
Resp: 2h24m26s
